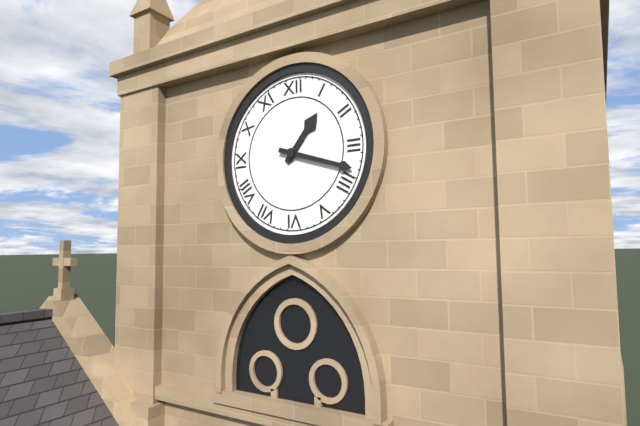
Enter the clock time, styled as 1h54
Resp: 1h18
